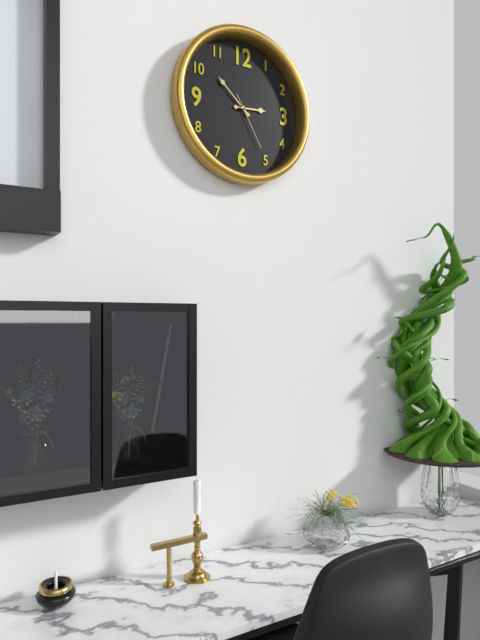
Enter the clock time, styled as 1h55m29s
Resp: 2h52m25s
